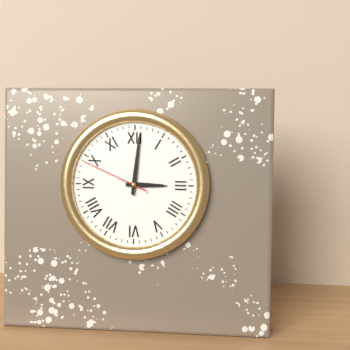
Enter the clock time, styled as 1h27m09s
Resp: 3h01m49s
